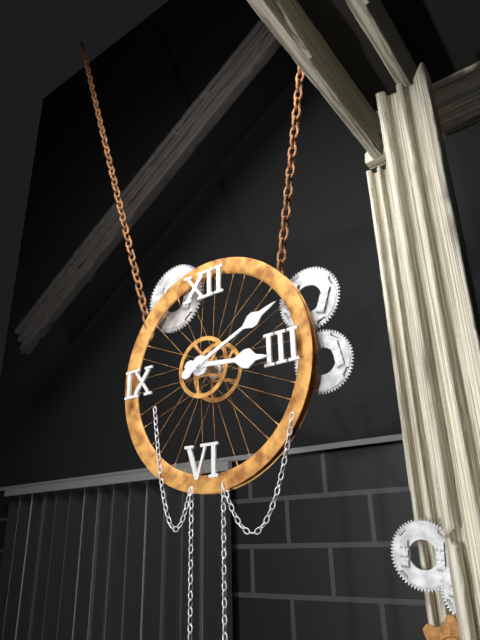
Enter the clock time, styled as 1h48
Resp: 3h11
